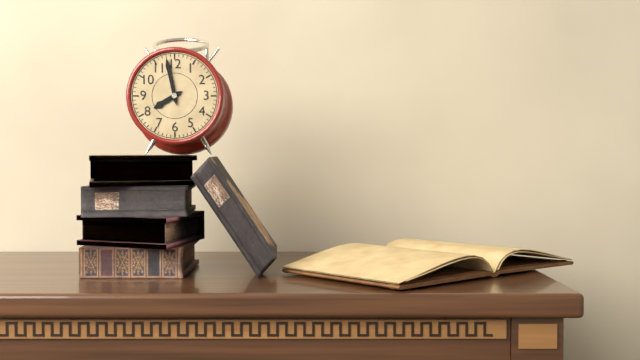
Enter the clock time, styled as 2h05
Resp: 7h58
